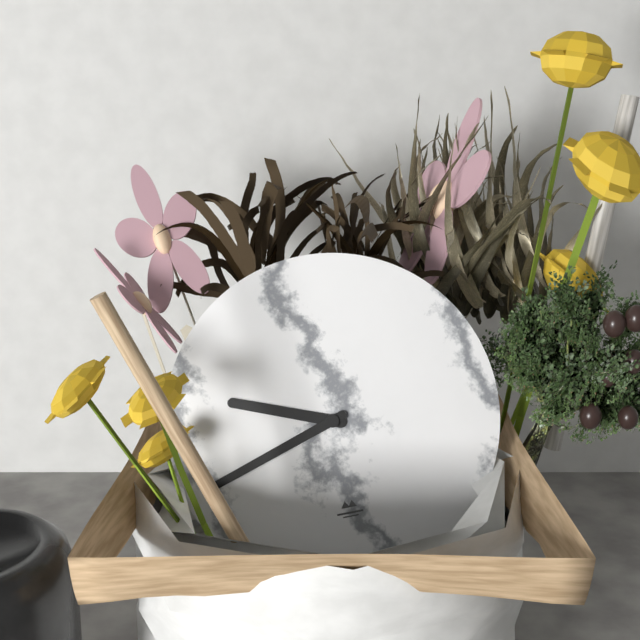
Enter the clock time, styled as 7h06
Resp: 9h42
